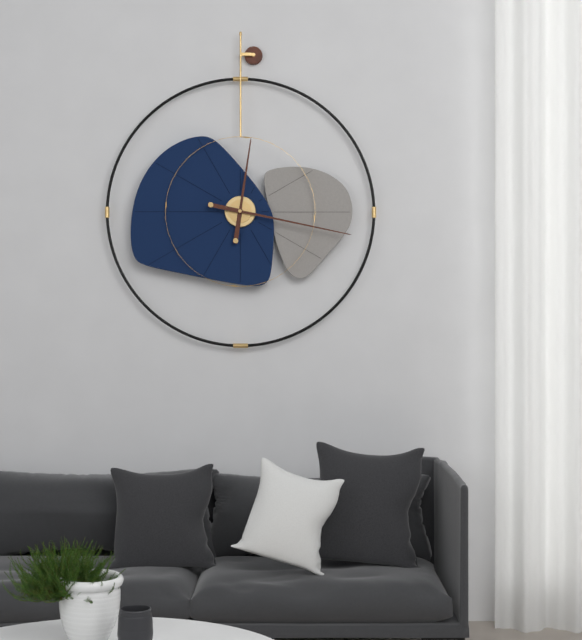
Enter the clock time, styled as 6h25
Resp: 12h17
